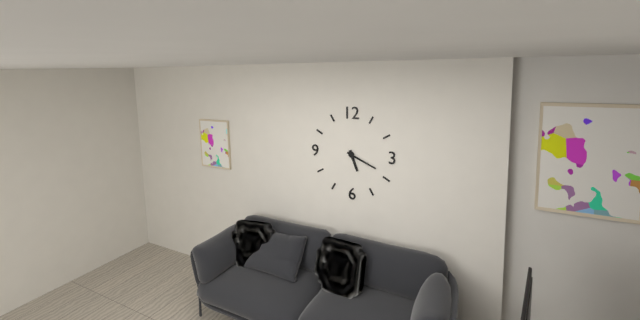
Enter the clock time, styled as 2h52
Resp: 5h19
